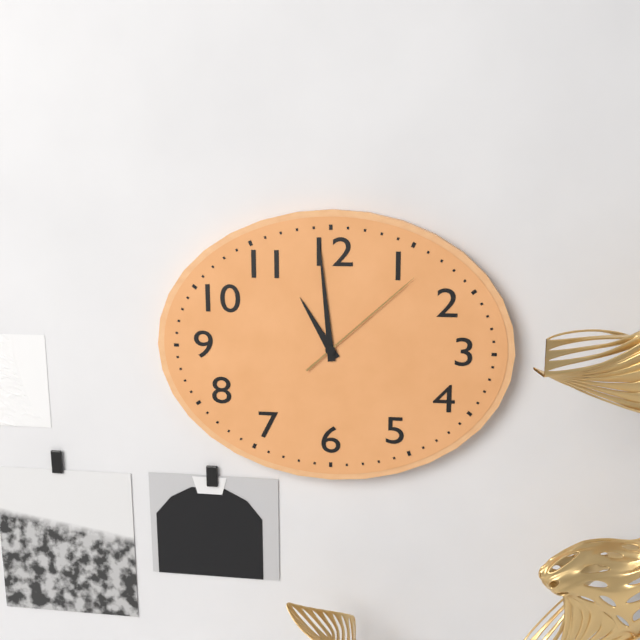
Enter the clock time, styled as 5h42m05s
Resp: 10h59m08s
